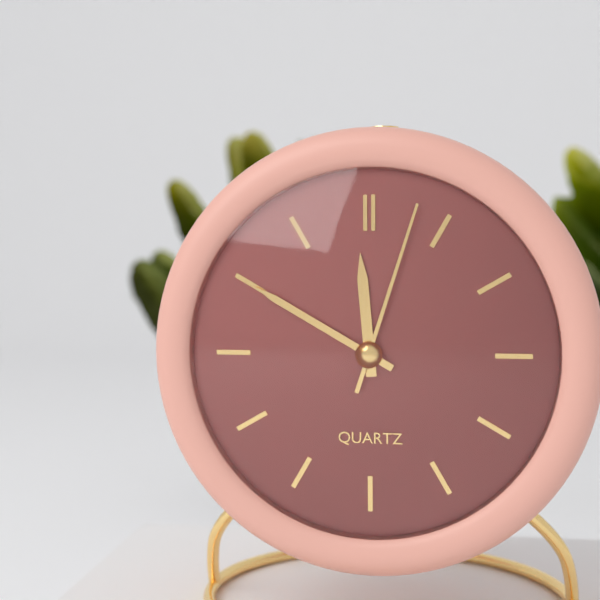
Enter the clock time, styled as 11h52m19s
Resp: 11h50m03s
